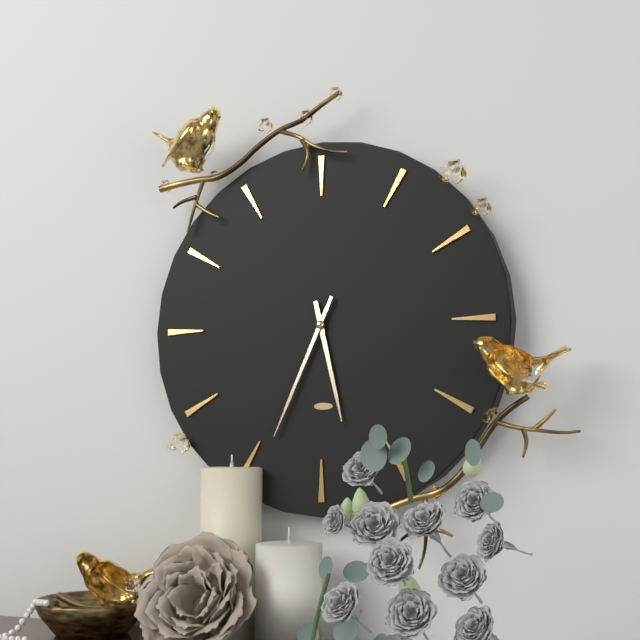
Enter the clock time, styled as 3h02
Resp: 5h34
